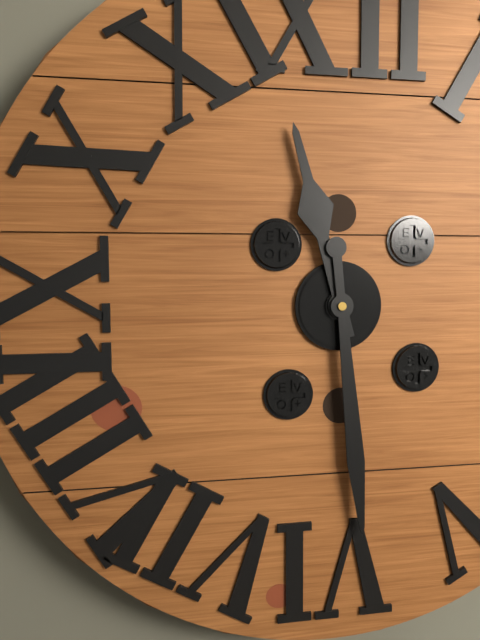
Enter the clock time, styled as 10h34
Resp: 11h29
